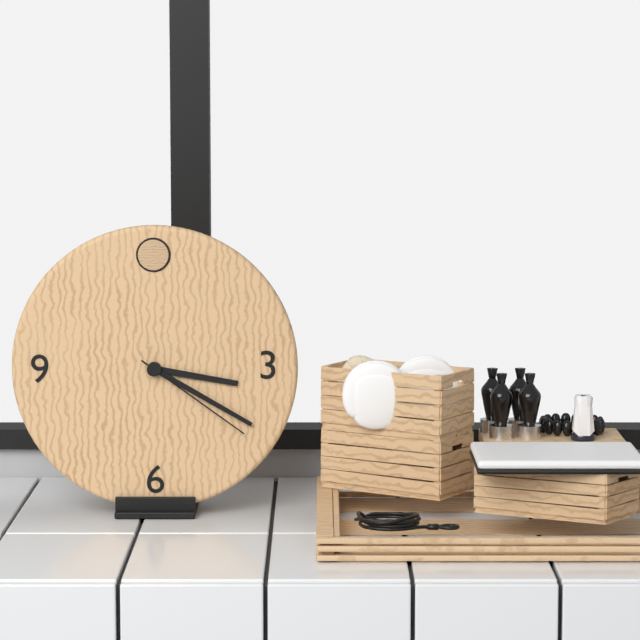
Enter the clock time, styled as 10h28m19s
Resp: 3h20m21s
